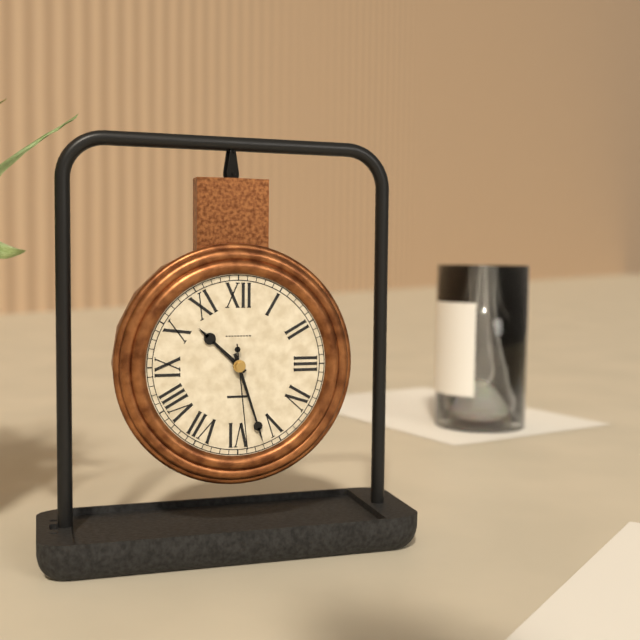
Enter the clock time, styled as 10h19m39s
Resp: 10h27m29s
